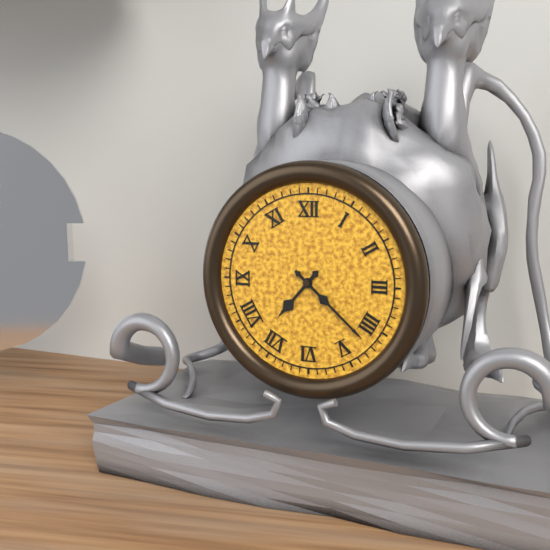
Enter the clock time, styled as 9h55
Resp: 7h22
